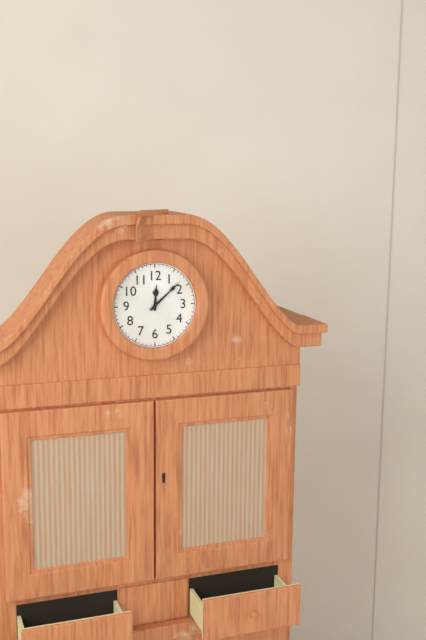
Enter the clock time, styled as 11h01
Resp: 12h08
